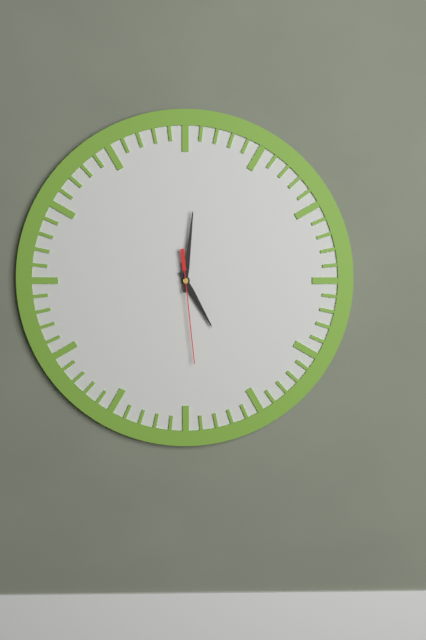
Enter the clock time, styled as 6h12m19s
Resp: 5h01m29s
